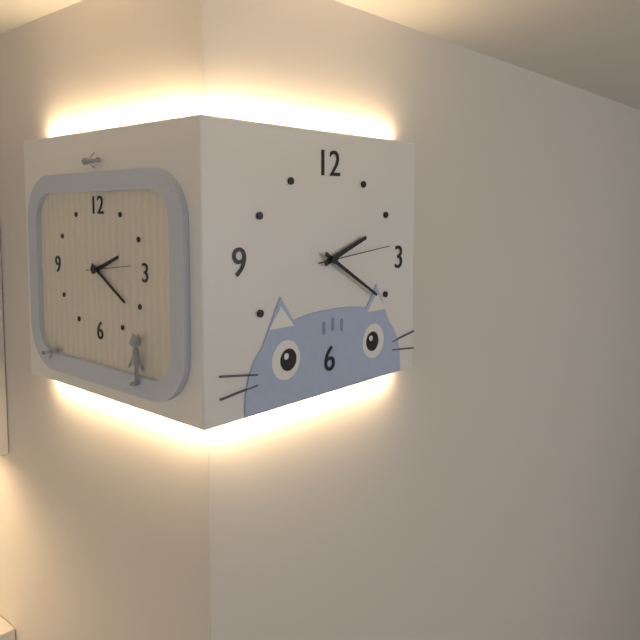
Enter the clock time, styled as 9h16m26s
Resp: 2h20m14s
